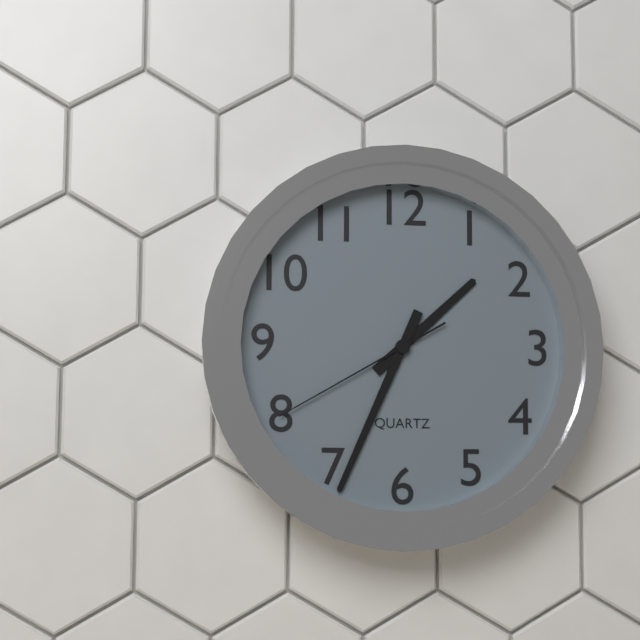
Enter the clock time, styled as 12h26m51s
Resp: 1h34m40s
